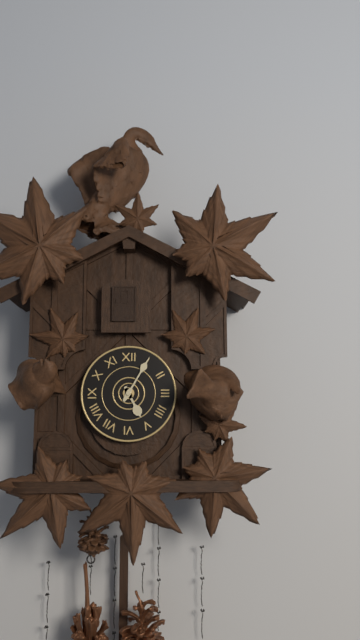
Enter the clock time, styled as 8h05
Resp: 5h05
